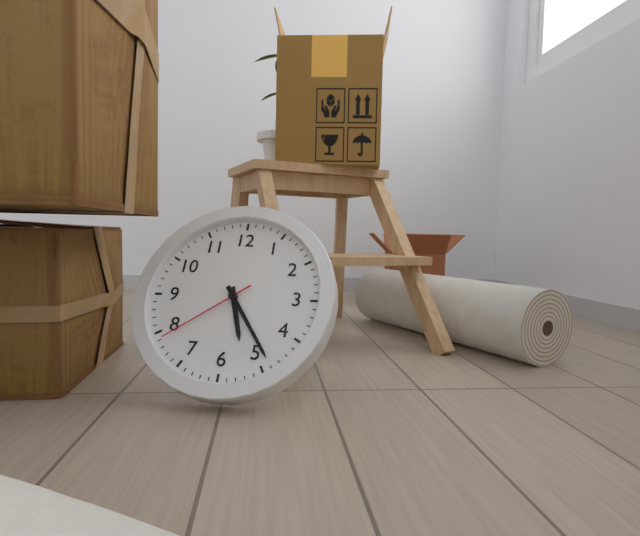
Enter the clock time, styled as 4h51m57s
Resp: 5h24m39s
